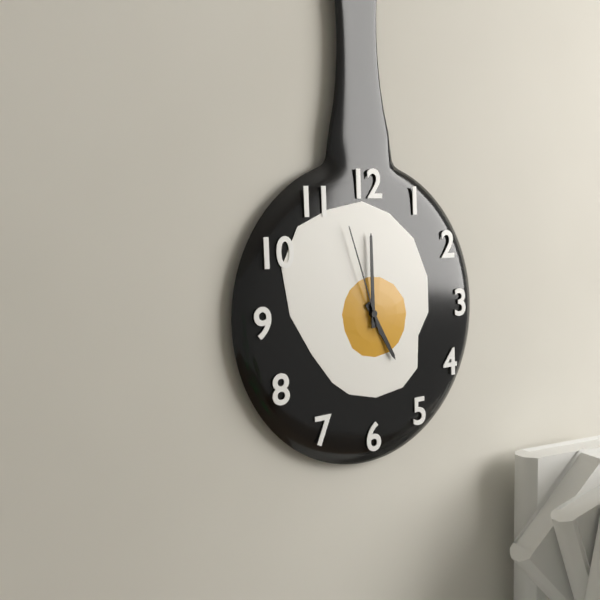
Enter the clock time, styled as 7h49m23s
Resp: 5h00m57s
